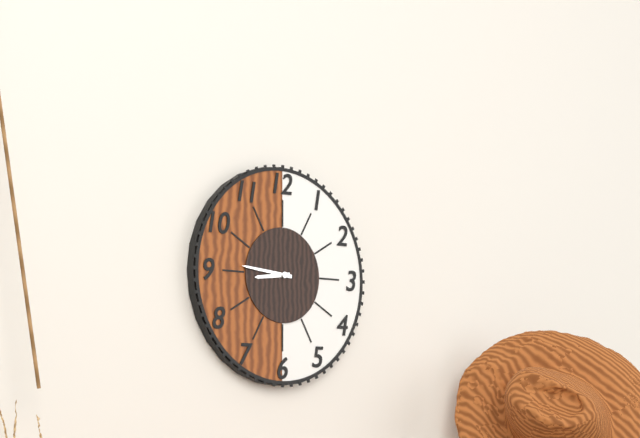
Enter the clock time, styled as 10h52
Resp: 8h46
